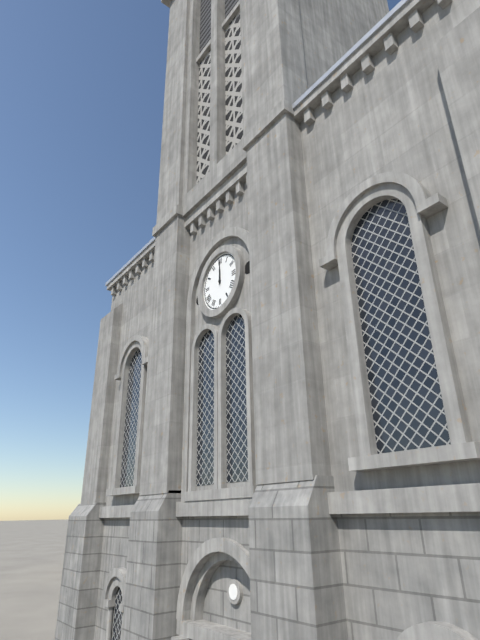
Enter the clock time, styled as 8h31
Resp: 12h00
